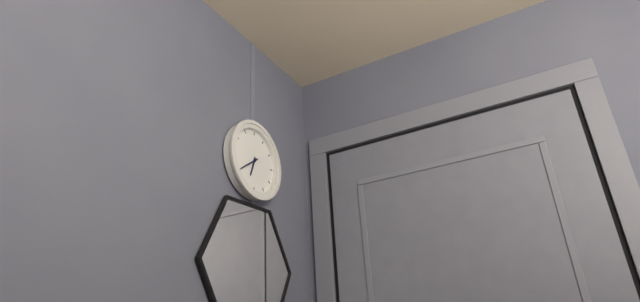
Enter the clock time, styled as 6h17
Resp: 6h39
